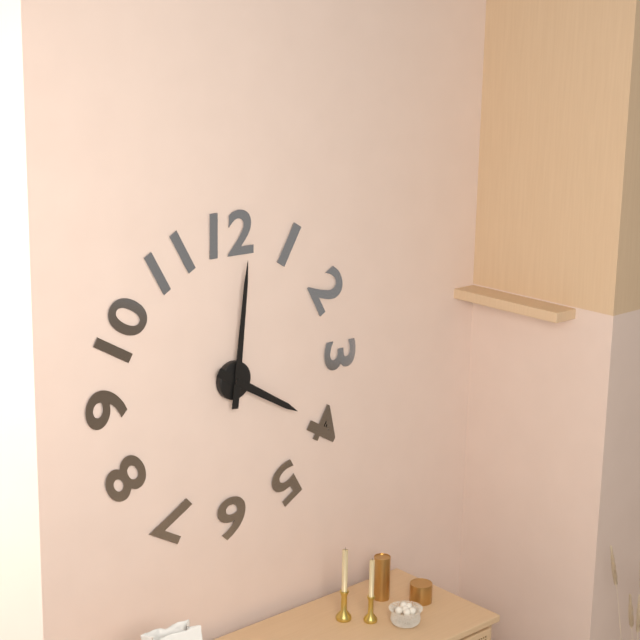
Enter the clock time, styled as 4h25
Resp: 4h01
